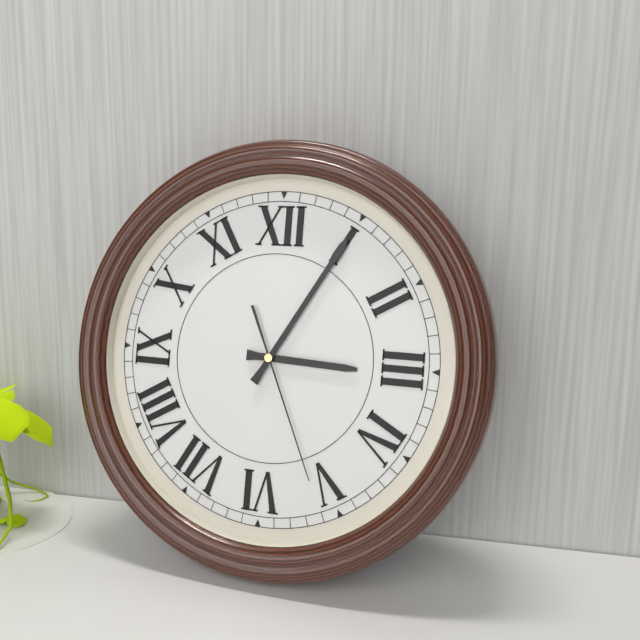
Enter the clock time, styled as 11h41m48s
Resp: 3h05m26s
